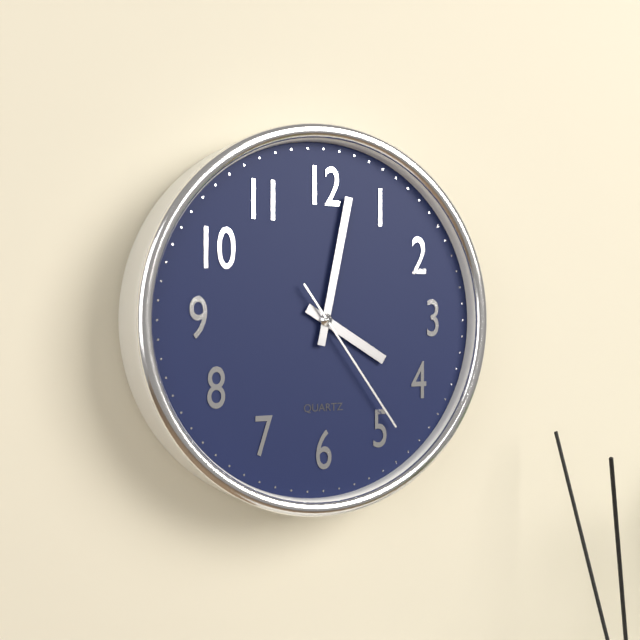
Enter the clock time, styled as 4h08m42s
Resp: 4h02m24s
